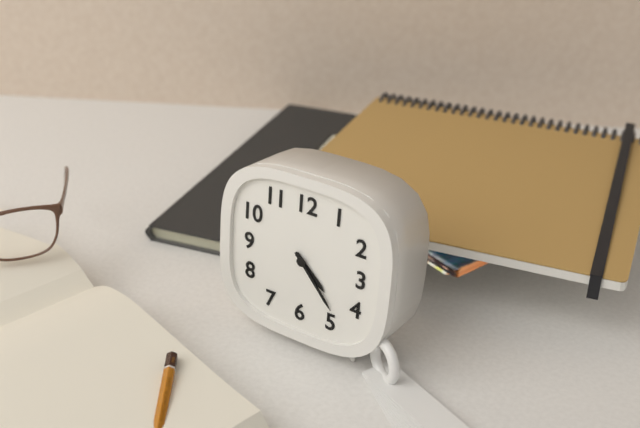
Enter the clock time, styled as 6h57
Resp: 4h23
